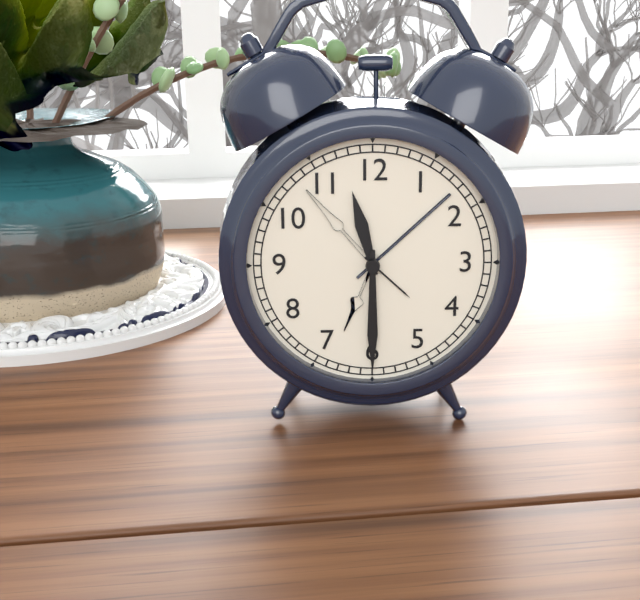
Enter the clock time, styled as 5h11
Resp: 11h30
